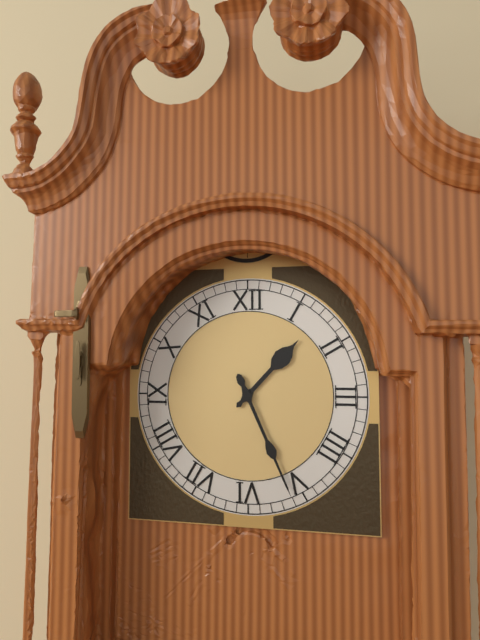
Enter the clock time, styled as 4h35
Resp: 1h26
